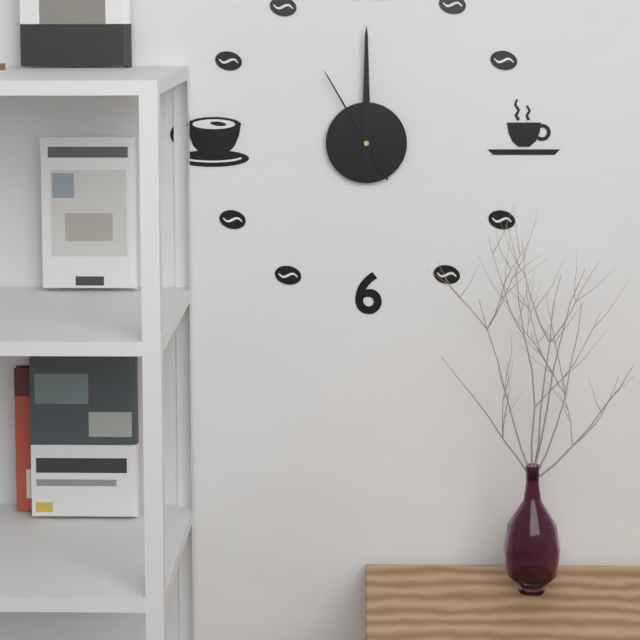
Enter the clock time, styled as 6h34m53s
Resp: 12h00m55s
